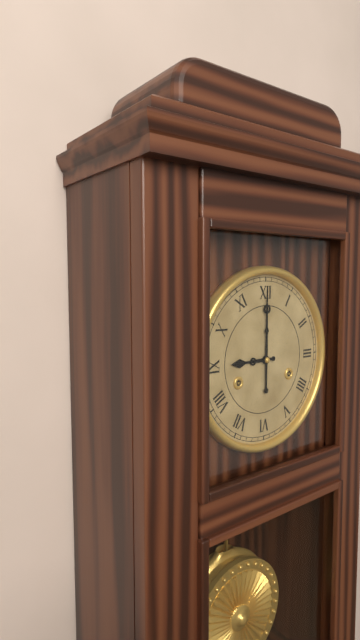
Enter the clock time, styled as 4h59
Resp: 9h00
